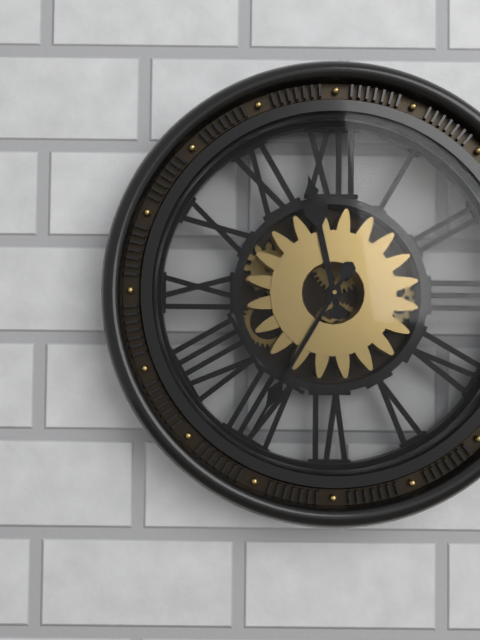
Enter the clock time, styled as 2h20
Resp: 11h35
